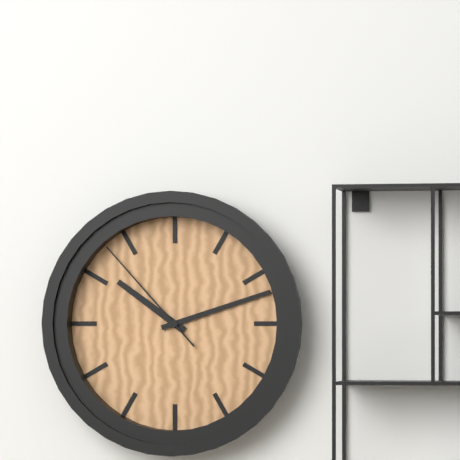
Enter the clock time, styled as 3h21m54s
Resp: 10h12m53s
